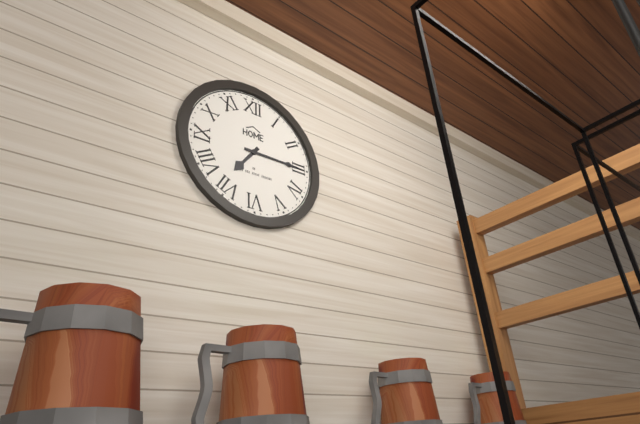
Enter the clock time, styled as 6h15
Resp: 7h15
